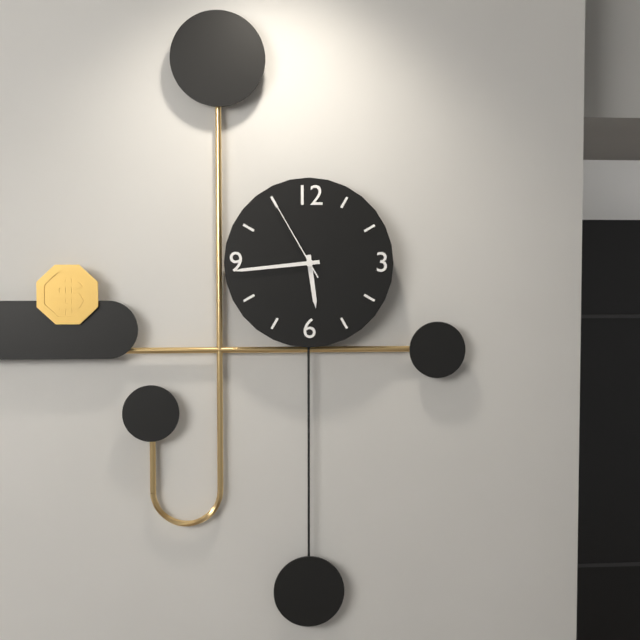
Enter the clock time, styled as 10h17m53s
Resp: 5h44m55s
